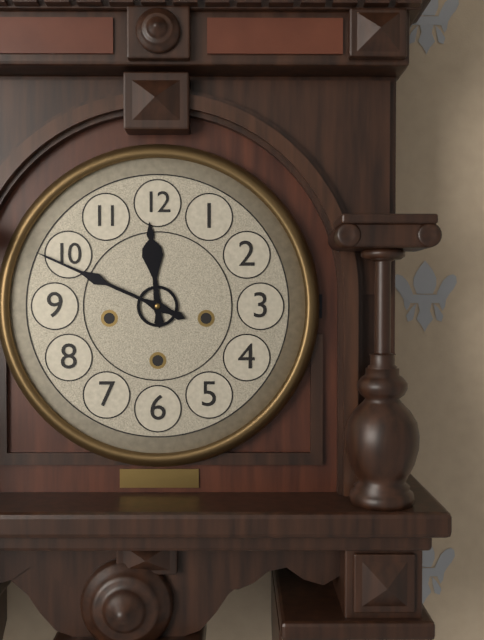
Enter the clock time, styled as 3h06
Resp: 11h49
